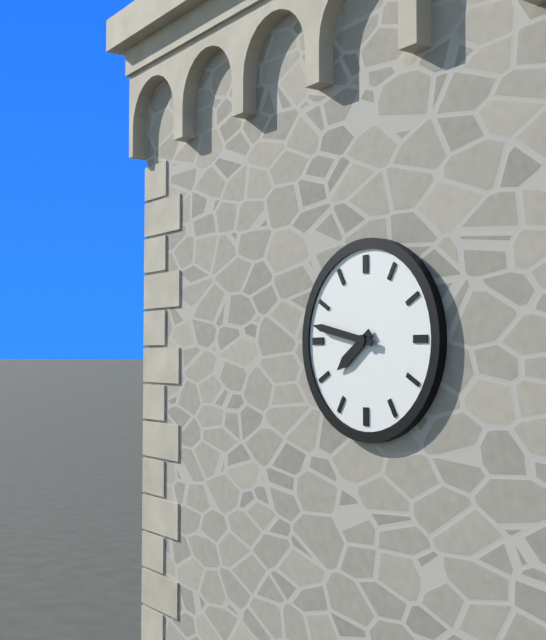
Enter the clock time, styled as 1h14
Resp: 7h47
